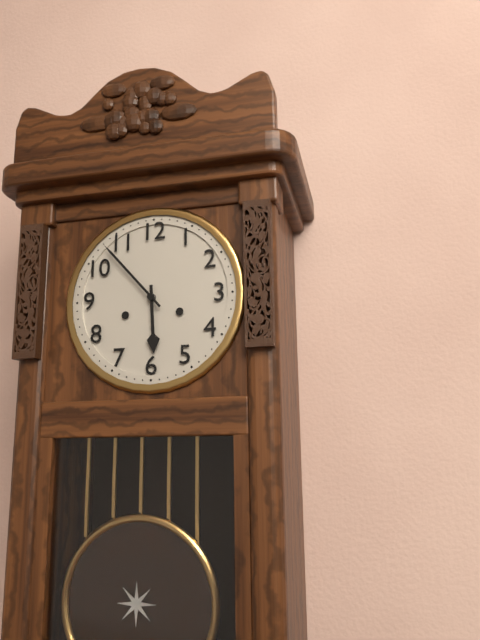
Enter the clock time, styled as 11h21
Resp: 5h53
